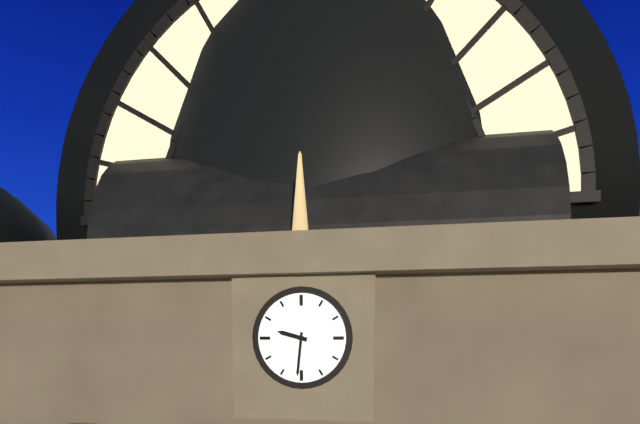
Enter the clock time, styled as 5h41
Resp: 9h31
